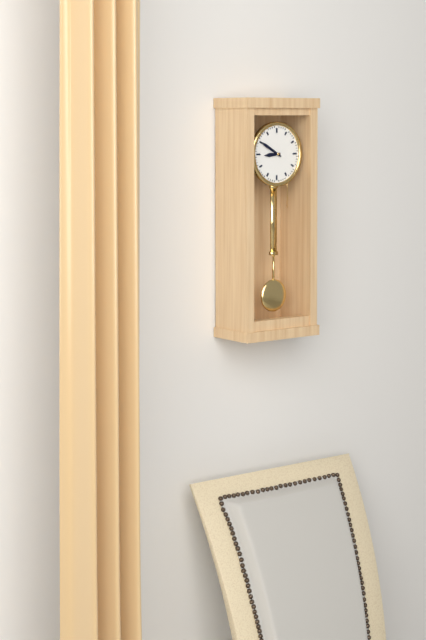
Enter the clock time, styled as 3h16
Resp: 8h50
